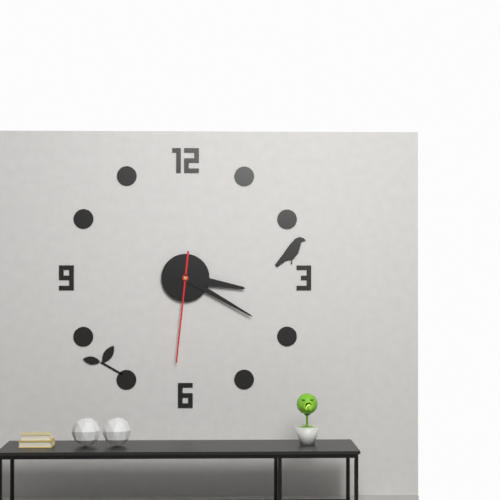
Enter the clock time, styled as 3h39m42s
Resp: 3h20m31s
